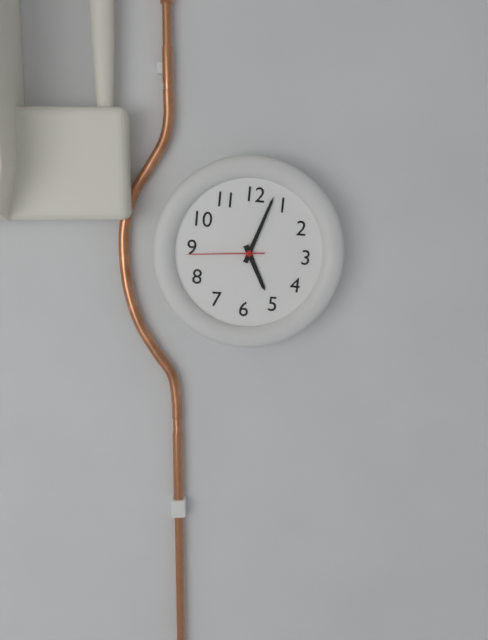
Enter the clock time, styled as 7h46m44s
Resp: 5h03m44s
